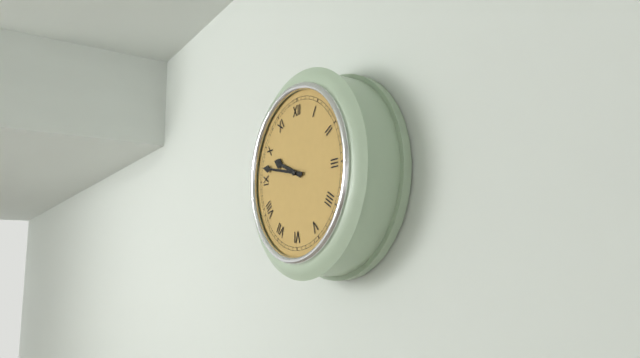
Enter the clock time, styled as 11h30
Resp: 9h47
